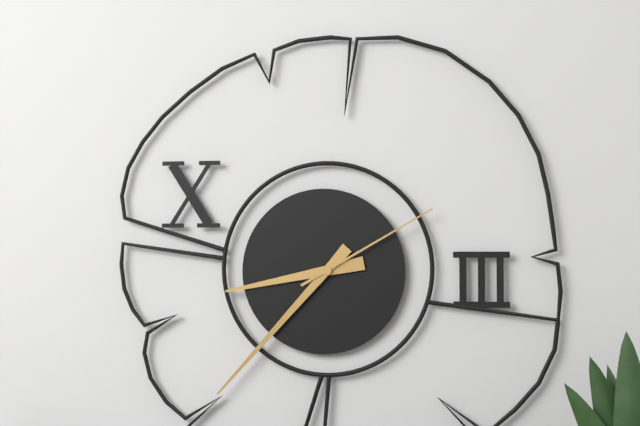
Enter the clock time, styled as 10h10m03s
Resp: 8h37m10s
